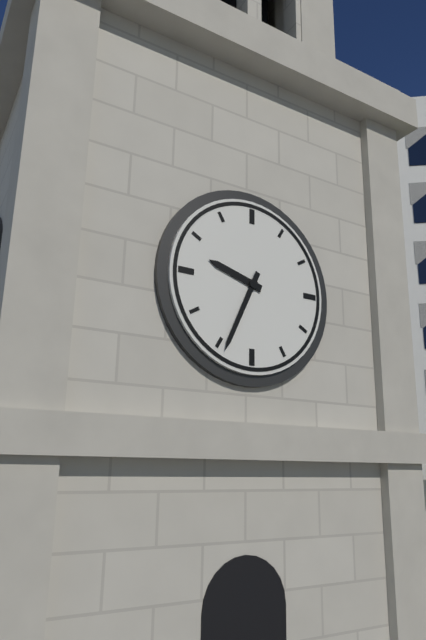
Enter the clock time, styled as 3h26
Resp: 9h34
